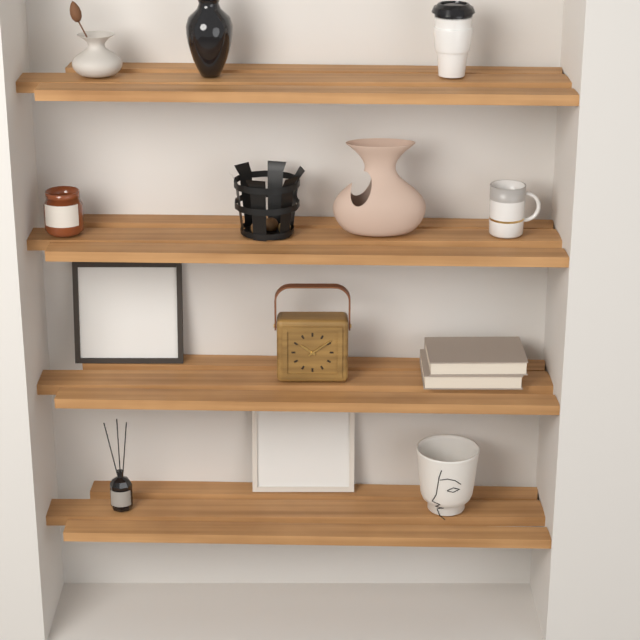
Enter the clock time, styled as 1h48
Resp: 10h09
